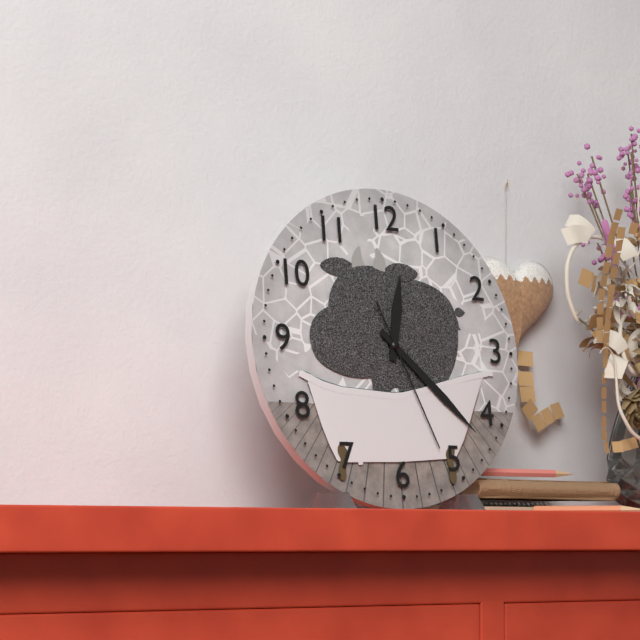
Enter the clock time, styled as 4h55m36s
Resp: 12h22m26s
